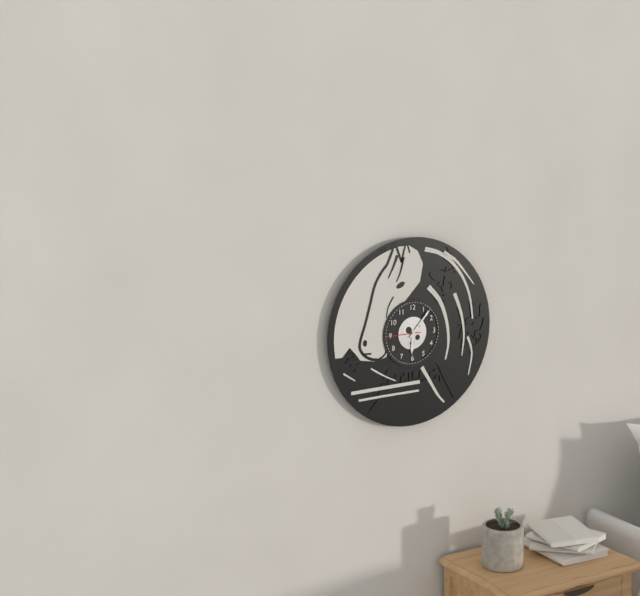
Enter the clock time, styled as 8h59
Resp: 6h07
